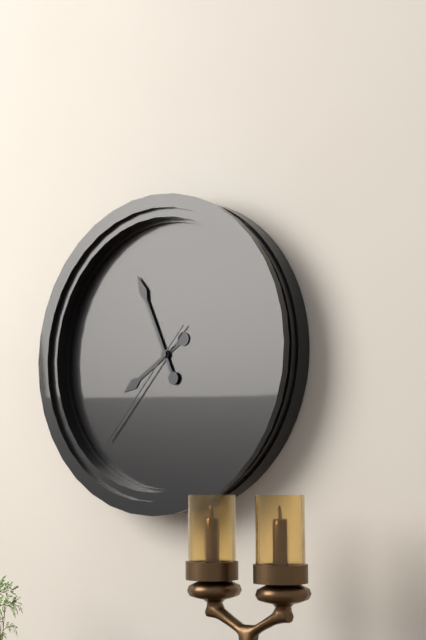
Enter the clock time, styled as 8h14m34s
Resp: 7h56m37s
